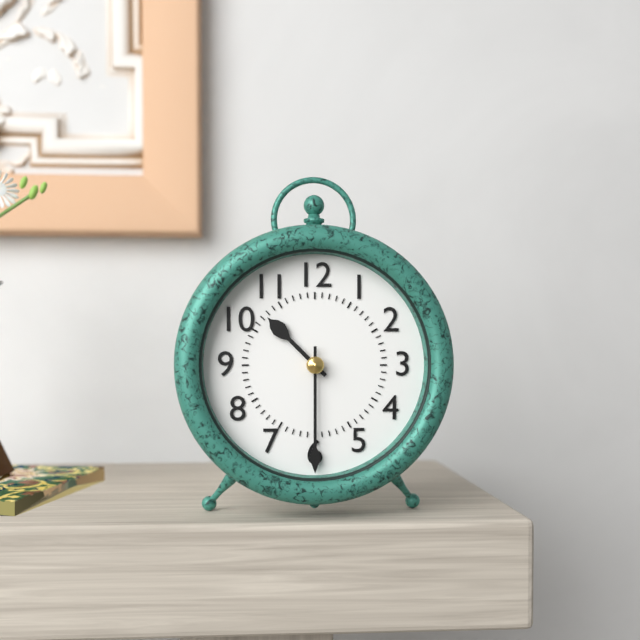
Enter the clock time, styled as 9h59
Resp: 10h30
